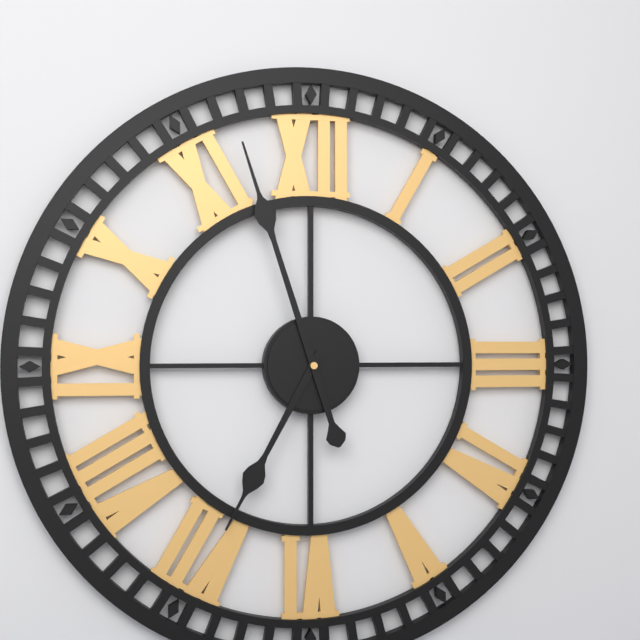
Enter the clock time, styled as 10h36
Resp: 6h57
